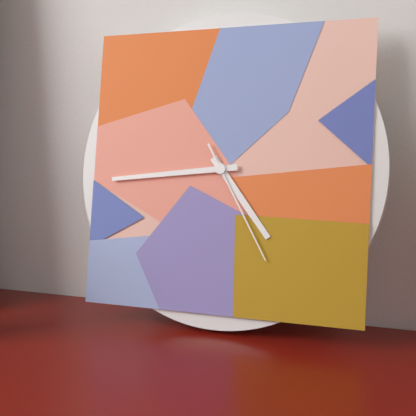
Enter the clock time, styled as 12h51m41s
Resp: 4h44m25s
